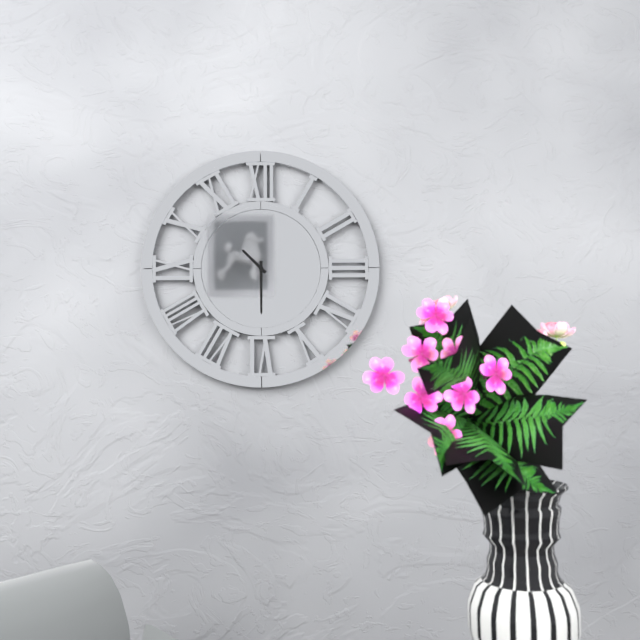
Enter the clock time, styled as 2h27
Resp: 10h30
